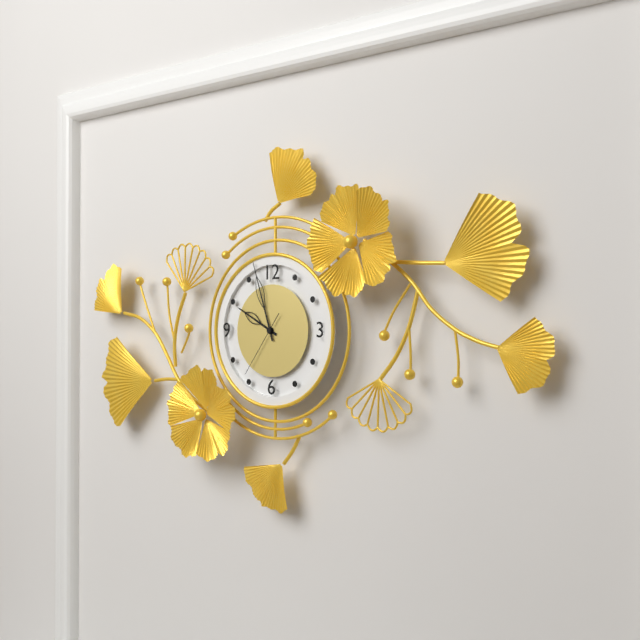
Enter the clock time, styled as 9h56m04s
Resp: 9h57m36s
